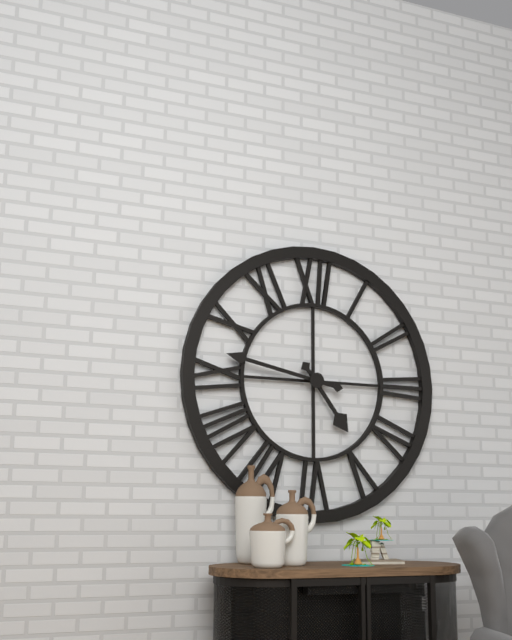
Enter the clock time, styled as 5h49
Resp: 4h47
